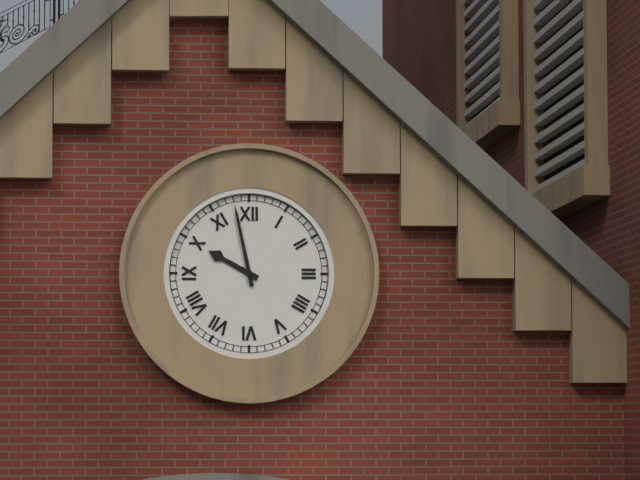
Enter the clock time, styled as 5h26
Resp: 9h58
